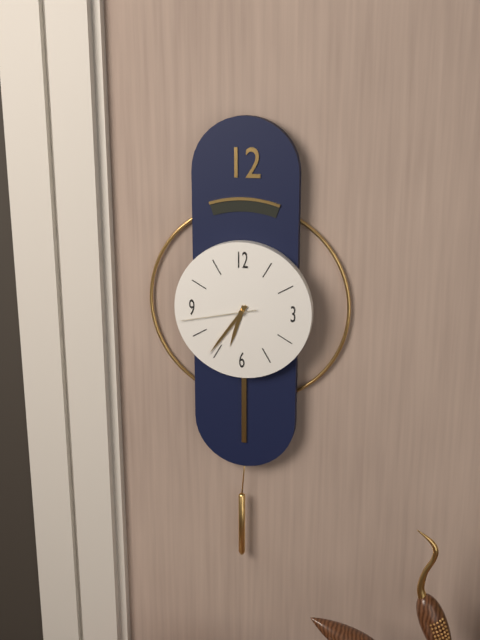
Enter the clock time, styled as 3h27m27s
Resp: 6h36m43s
